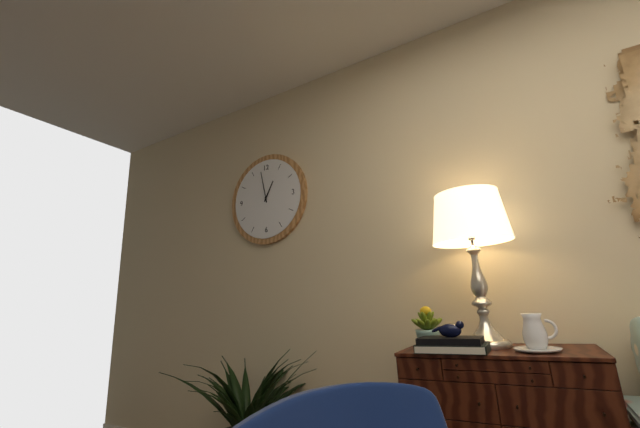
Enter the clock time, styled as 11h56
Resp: 12h58
